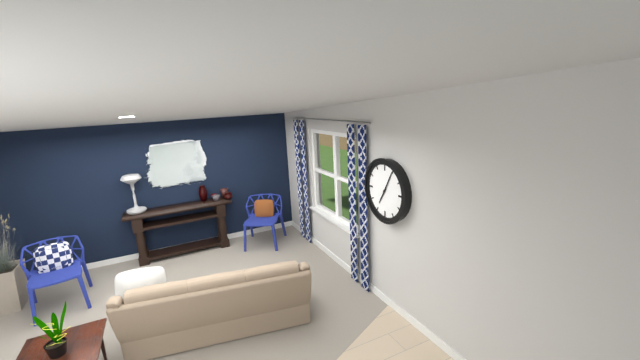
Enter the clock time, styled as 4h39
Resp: 7h05
